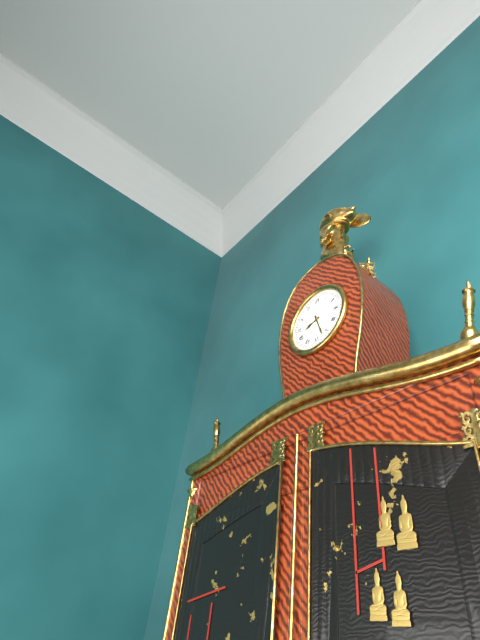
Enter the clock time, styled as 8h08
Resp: 8h27
